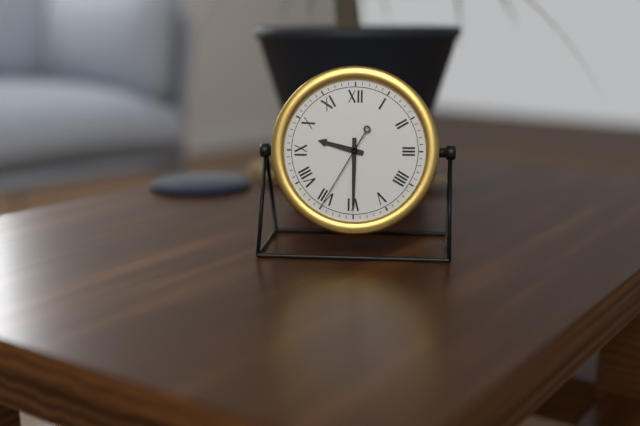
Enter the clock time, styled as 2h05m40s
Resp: 9h30m35s
